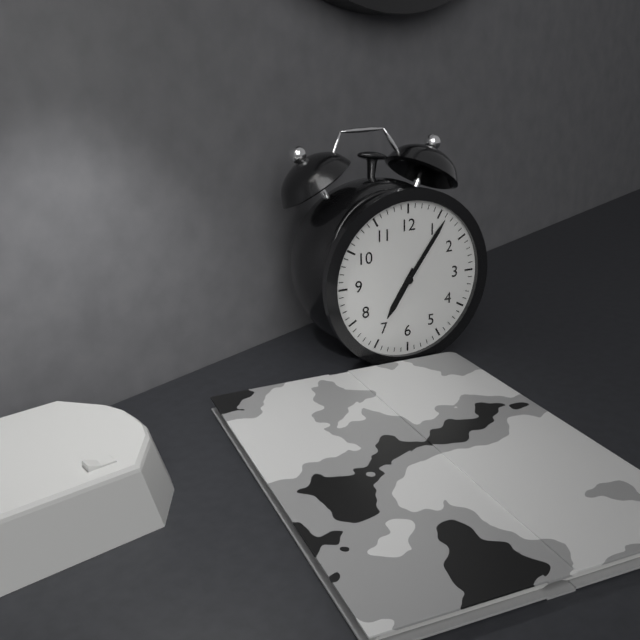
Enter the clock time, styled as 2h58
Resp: 7h06
